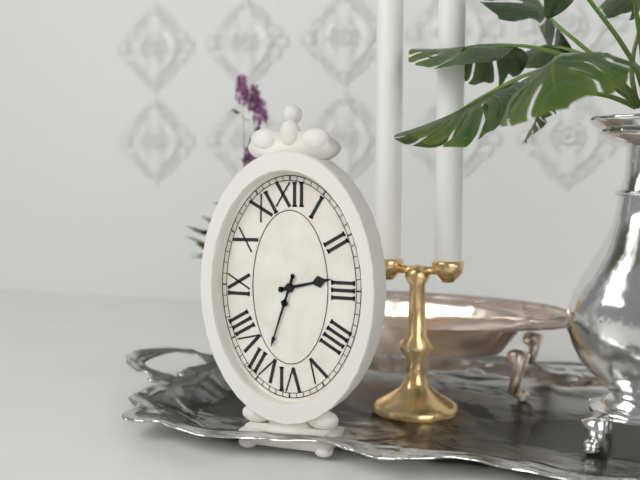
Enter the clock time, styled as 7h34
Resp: 2h33
